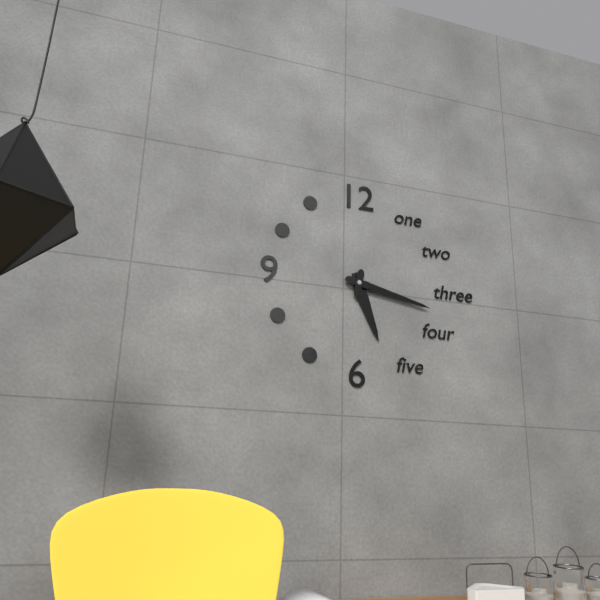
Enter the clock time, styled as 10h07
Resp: 5h17
